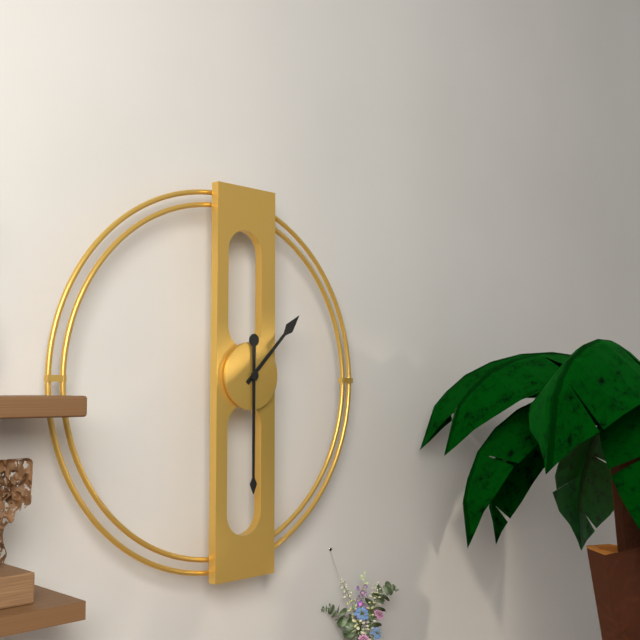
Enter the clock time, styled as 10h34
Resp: 1h30
